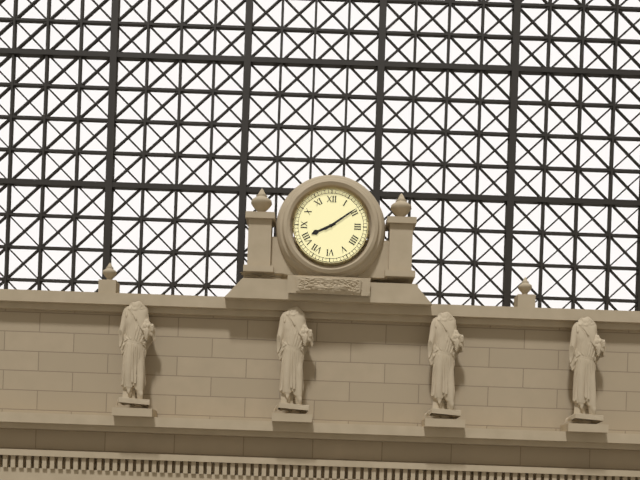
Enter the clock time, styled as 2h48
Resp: 8h09
